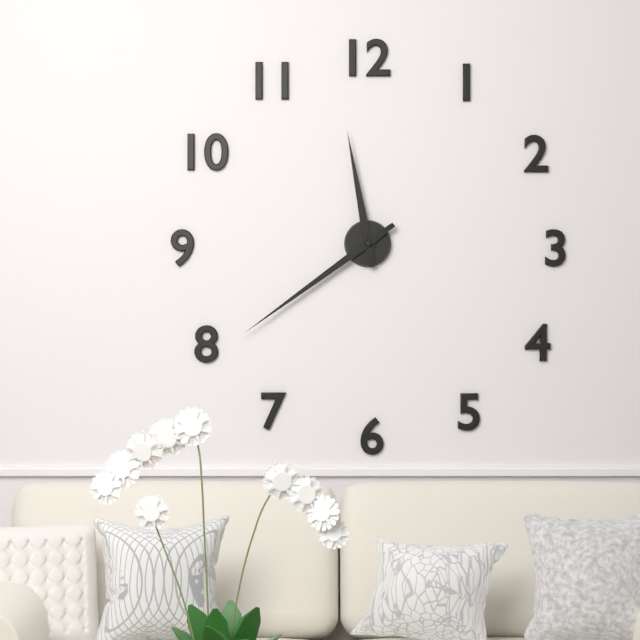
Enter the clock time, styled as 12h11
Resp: 11h39
